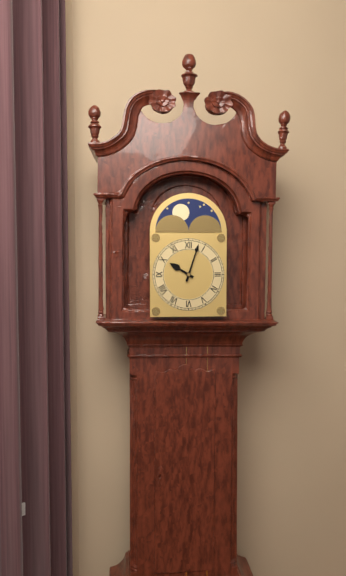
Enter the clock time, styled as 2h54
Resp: 10h03
